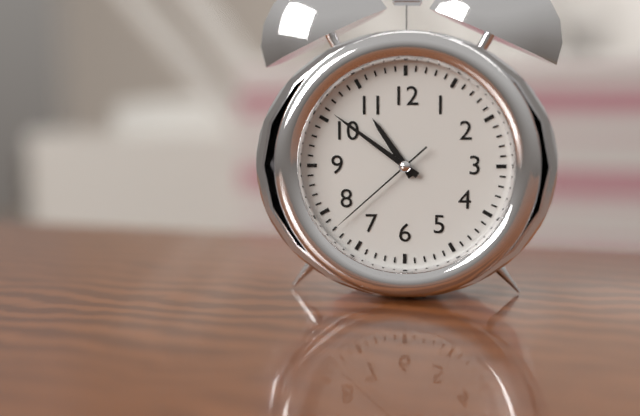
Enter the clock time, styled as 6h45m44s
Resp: 10h51m38s
